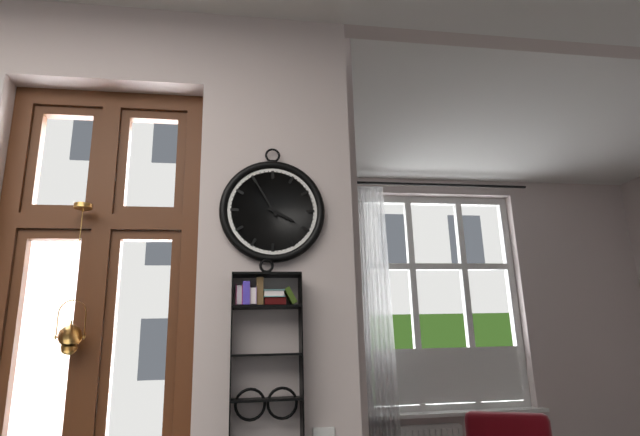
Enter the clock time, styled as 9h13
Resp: 3h55
